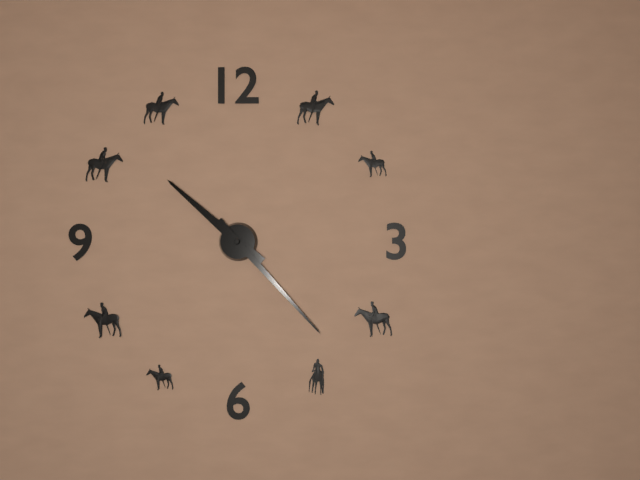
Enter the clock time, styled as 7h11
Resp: 10h23
